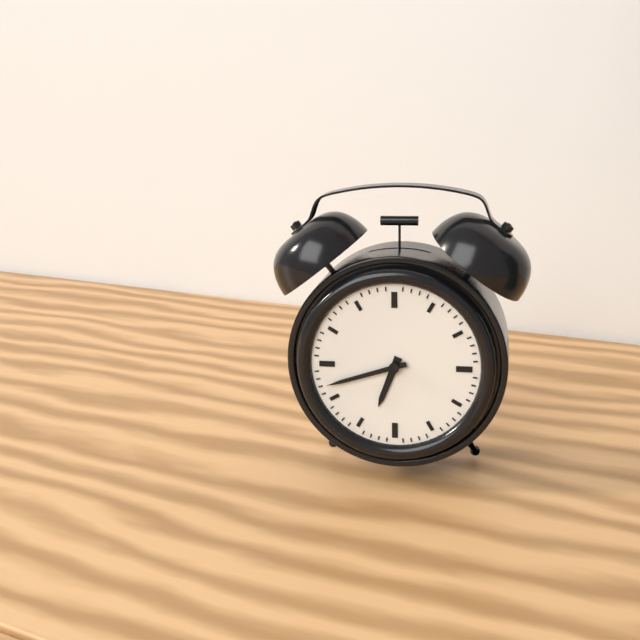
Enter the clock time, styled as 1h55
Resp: 6h42
